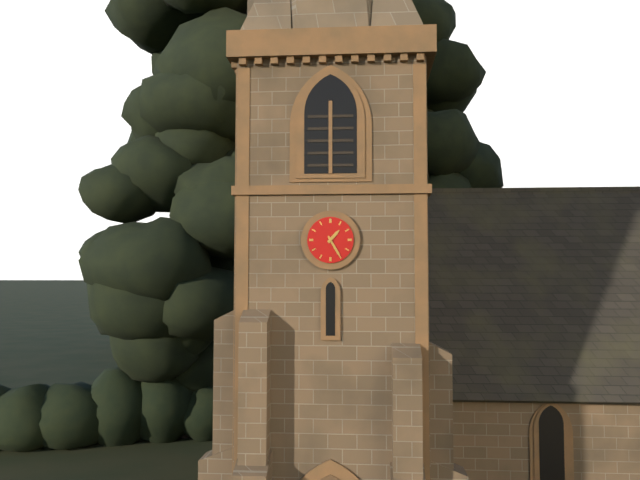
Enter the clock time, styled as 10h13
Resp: 1h25
